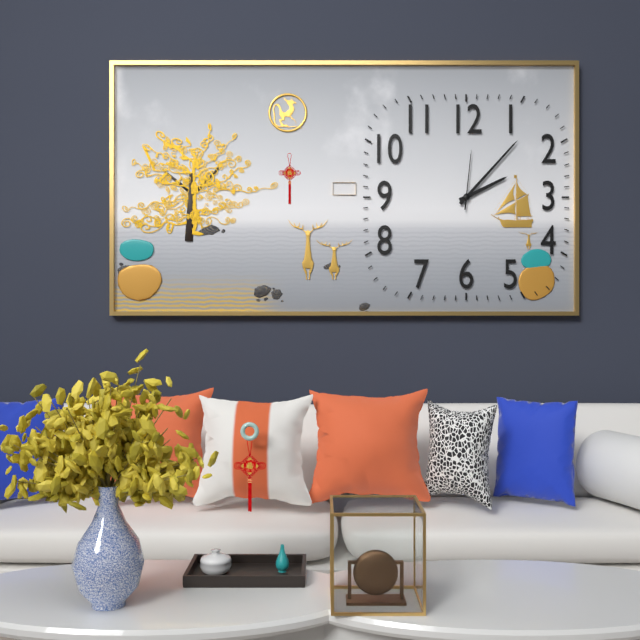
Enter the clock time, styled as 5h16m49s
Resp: 2h07m01s
